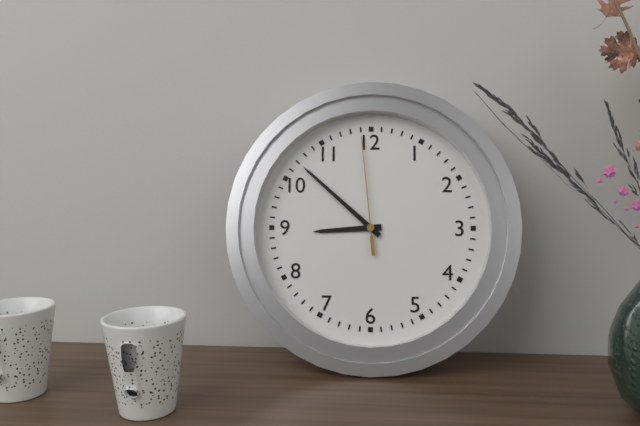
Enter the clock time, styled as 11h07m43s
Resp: 8h52m59s
